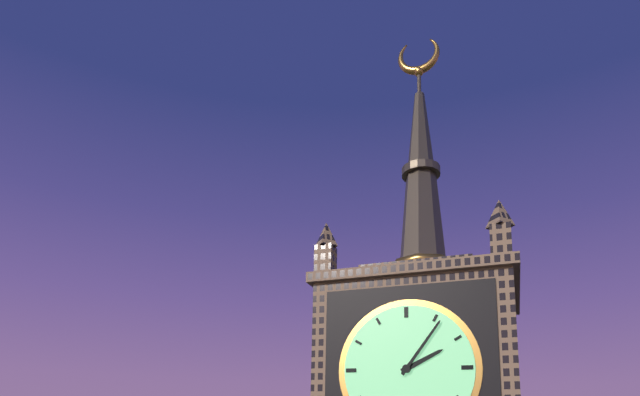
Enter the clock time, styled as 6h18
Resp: 2h06
